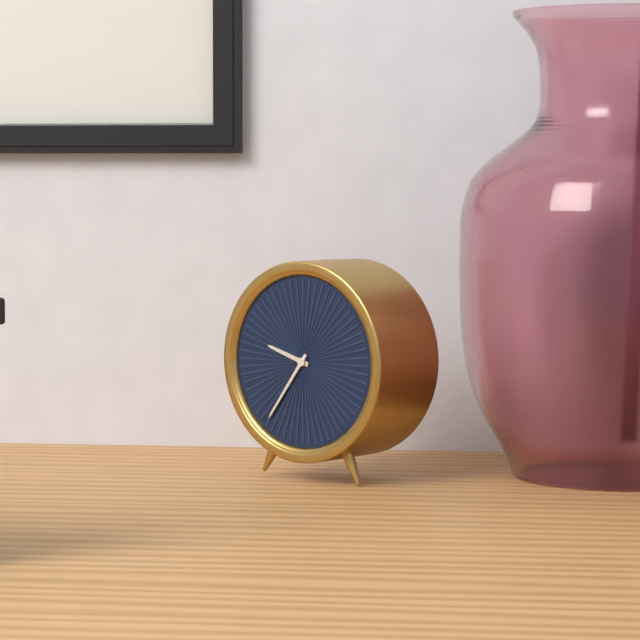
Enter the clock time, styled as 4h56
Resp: 9h36
